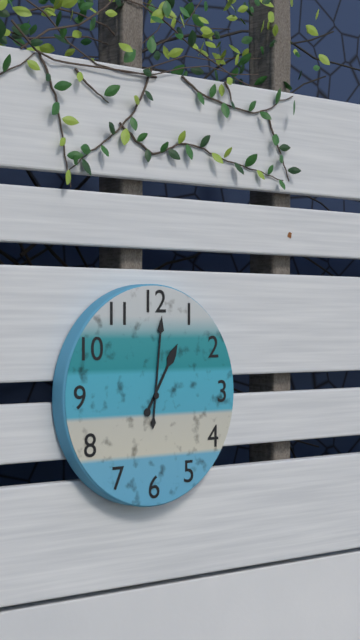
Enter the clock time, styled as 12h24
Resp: 1h01
